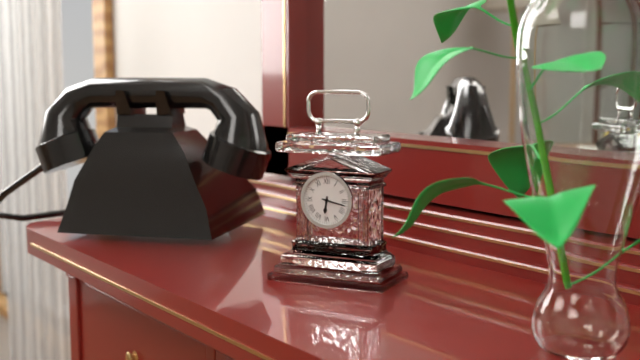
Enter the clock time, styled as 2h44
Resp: 6h17
